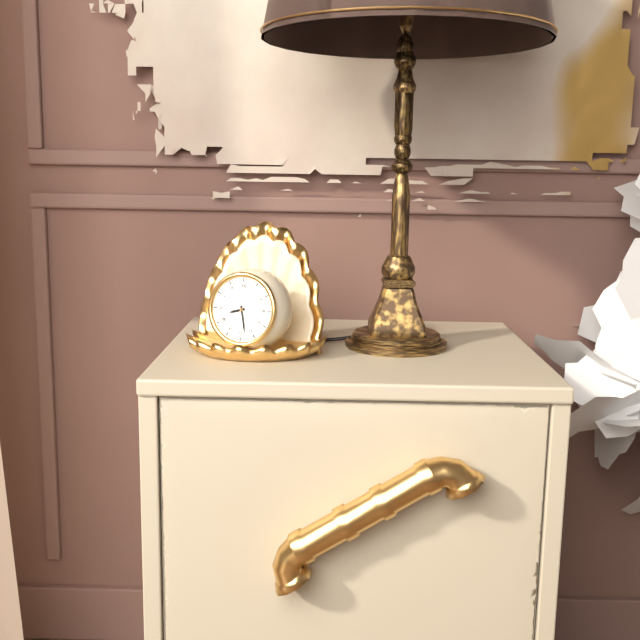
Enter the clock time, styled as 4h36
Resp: 8h28
